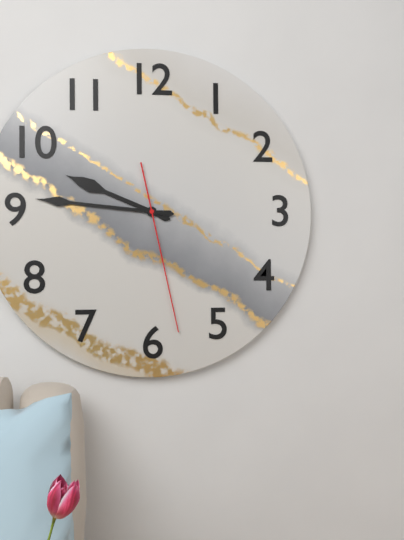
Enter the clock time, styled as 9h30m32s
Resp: 9h46m28s
